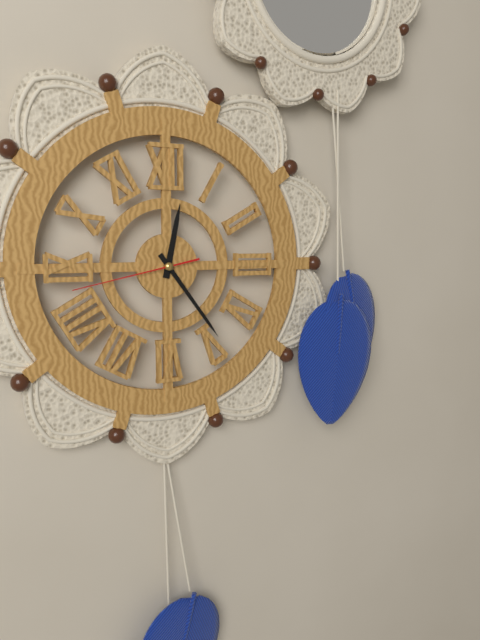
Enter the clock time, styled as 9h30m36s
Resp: 12h24m43s
